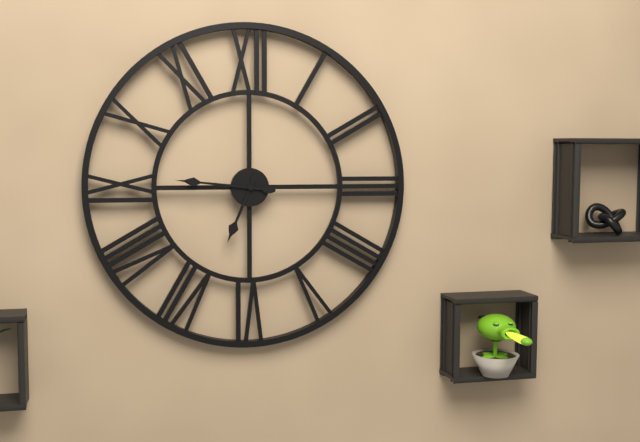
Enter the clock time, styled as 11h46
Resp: 6h46
